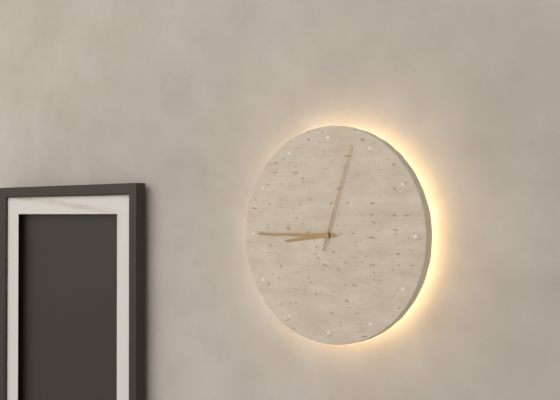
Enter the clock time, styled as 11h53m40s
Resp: 8h45m03s
